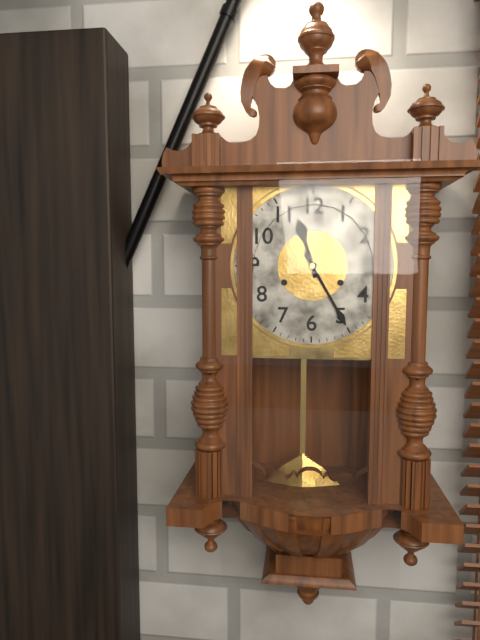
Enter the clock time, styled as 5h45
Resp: 11h25
